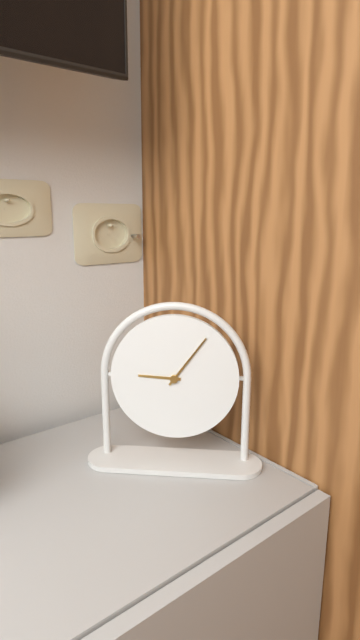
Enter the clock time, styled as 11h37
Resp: 9h06
